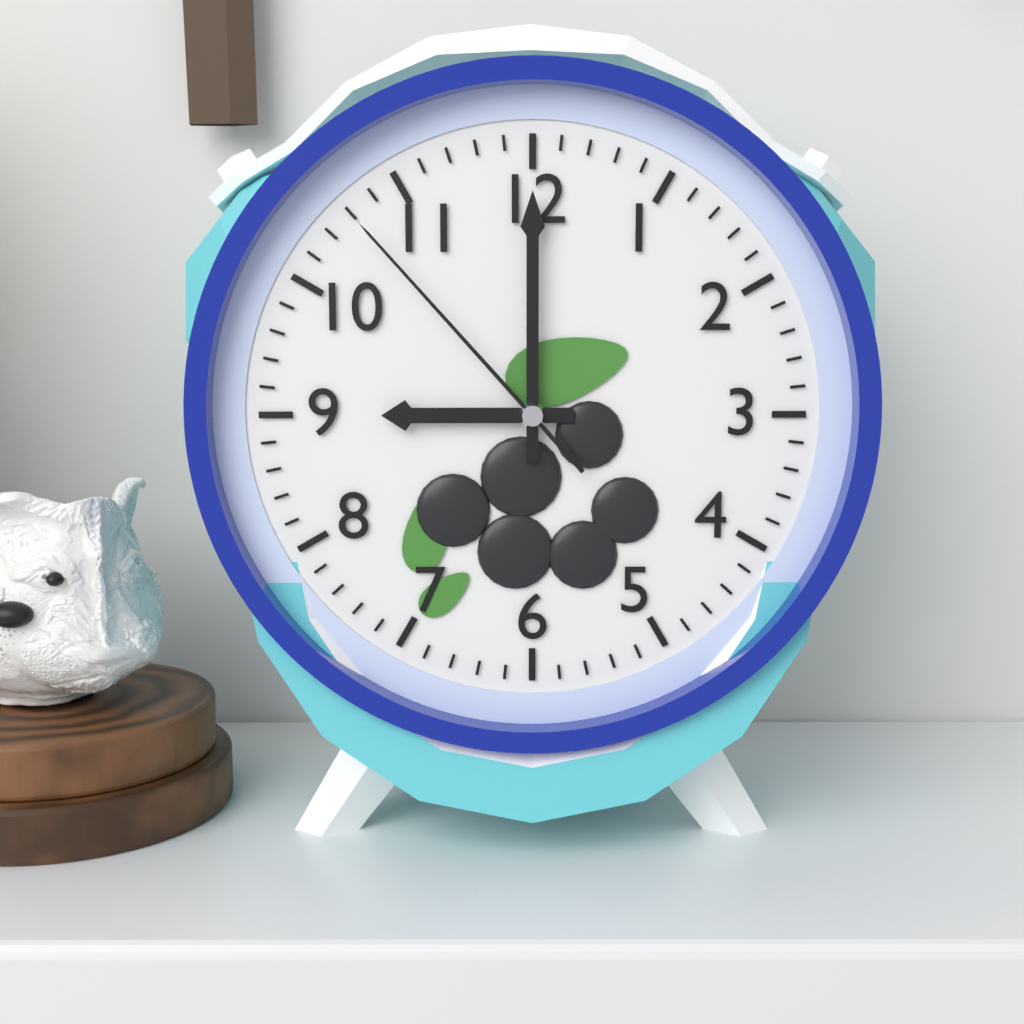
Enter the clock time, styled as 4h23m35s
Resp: 9h00m53s
